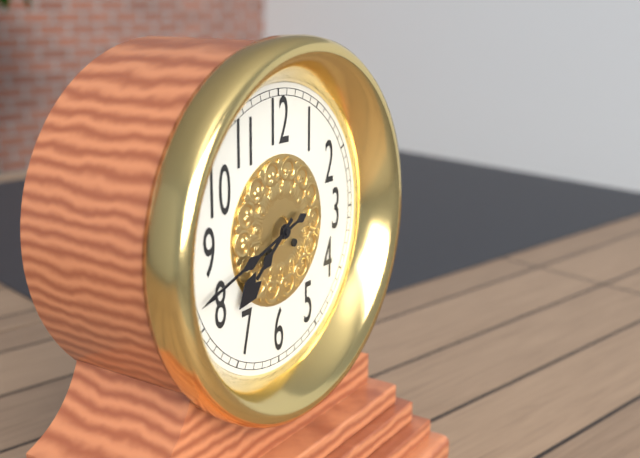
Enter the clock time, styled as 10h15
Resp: 7h42
